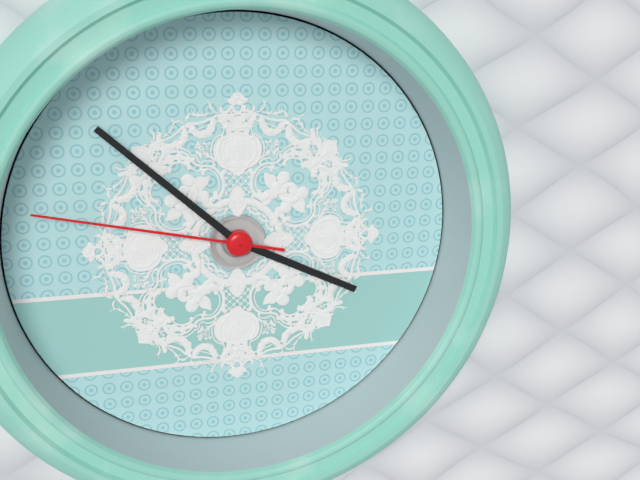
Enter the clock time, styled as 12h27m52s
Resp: 3h52m47s
